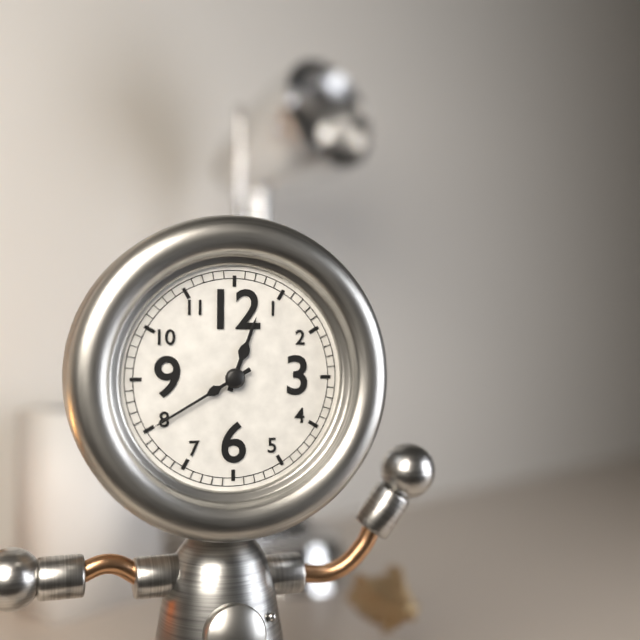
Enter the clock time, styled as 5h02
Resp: 12h40
